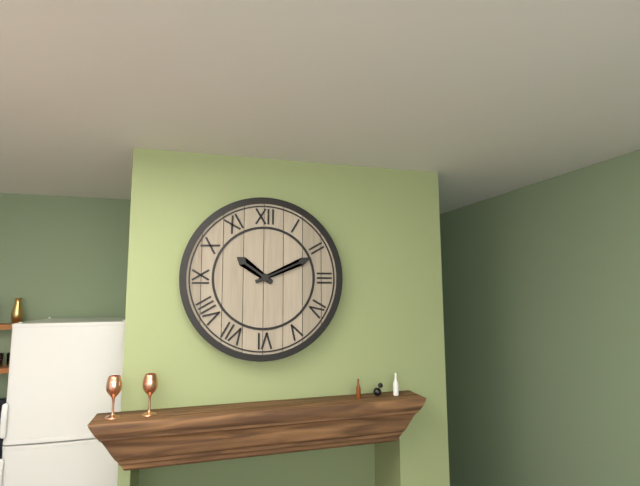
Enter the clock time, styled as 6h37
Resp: 10h11
